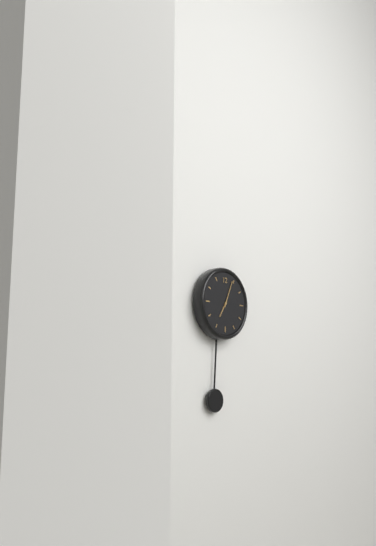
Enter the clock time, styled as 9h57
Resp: 7h04
